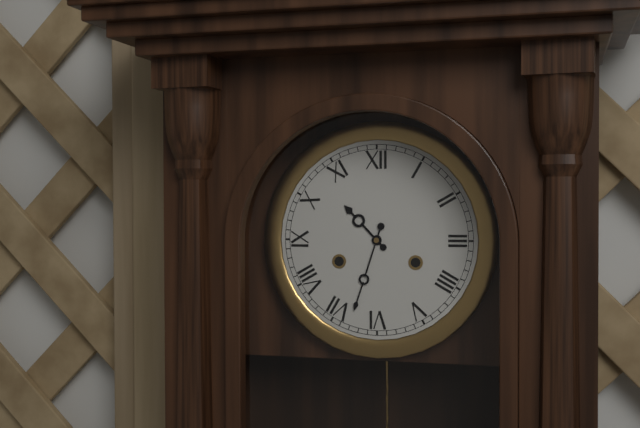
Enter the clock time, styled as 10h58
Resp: 10h33
